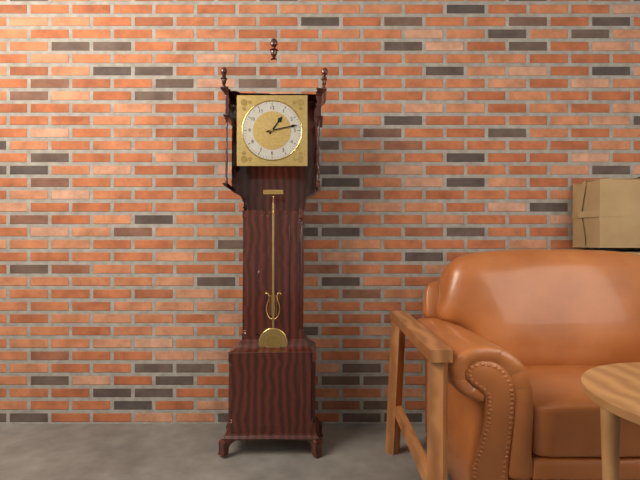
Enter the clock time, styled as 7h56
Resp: 1h13
